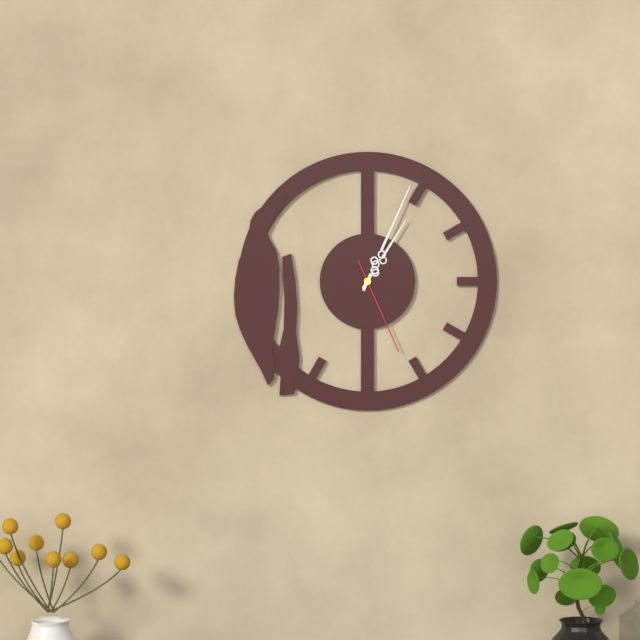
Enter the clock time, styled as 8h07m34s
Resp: 1h04m26s
